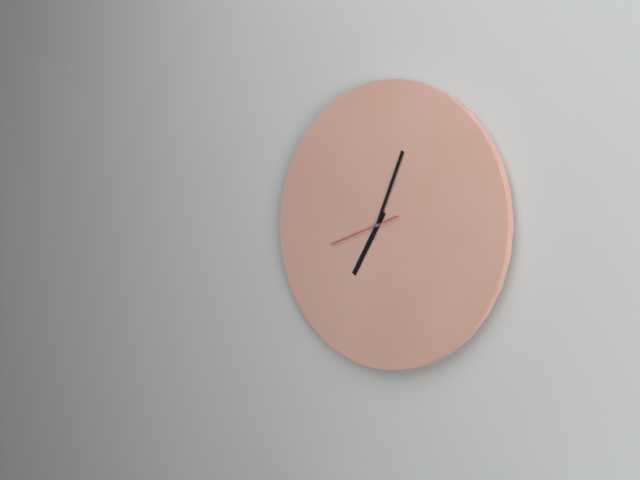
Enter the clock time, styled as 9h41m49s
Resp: 7h04m42s
